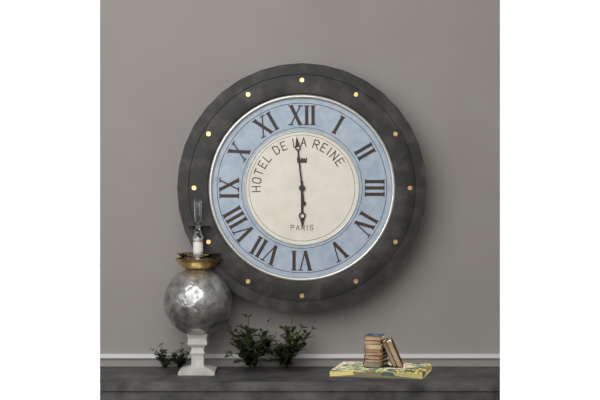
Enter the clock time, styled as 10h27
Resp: 5h59
